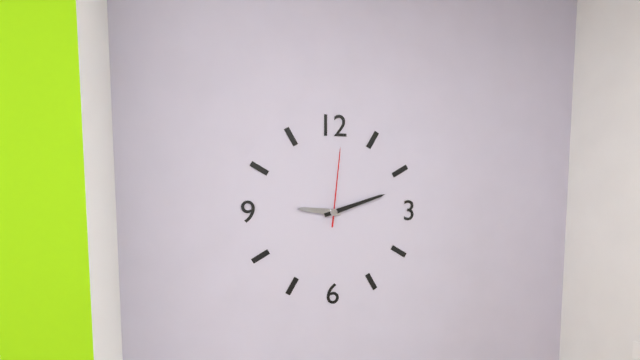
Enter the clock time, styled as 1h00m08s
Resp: 9h12m01s
